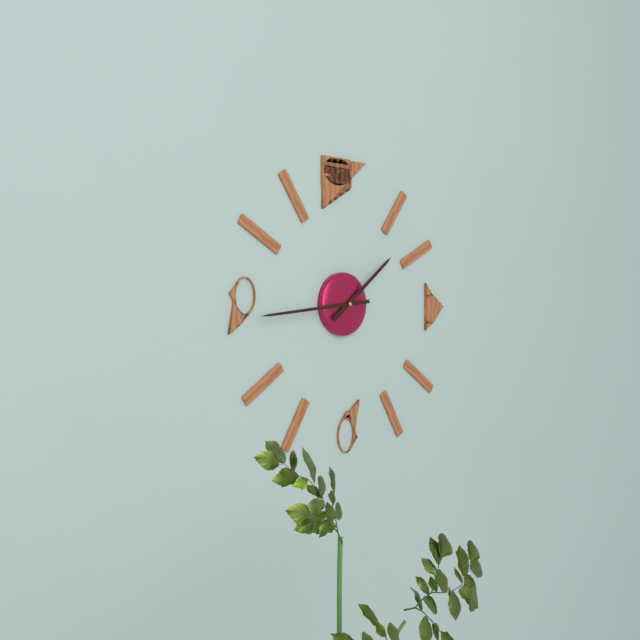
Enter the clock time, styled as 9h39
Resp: 1h44
